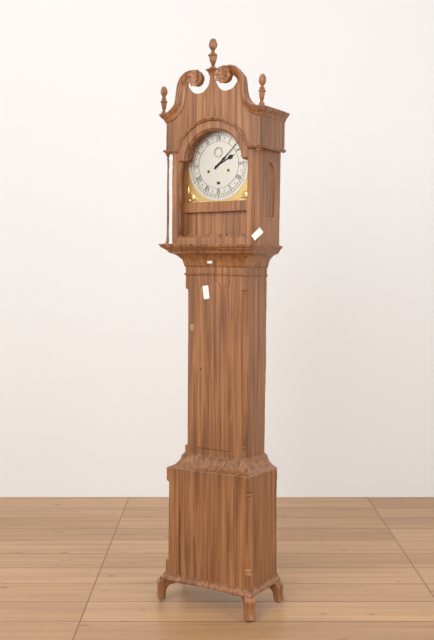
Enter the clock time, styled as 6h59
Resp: 2h08
